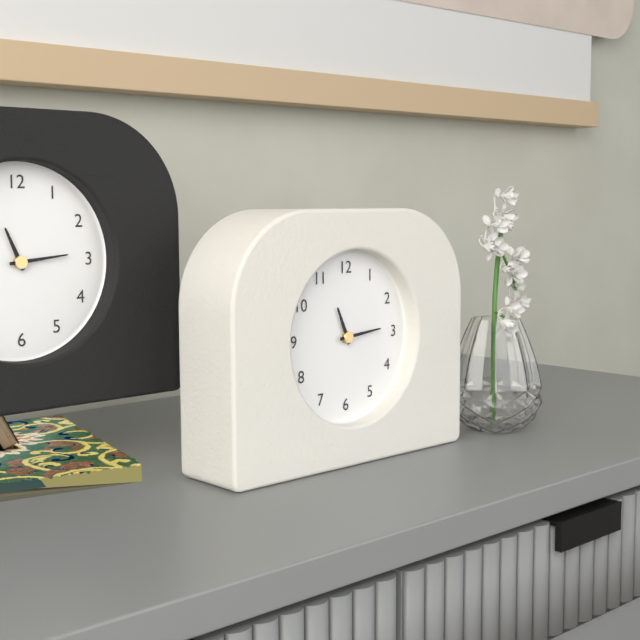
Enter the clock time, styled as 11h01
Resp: 11h14
